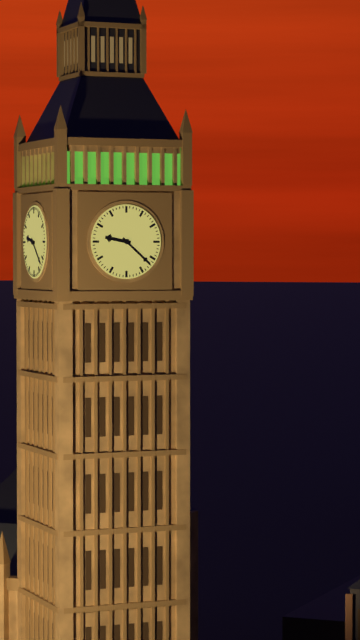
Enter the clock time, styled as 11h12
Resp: 9h22
